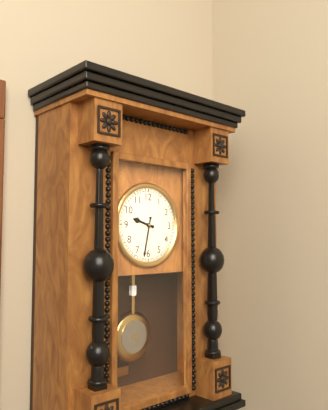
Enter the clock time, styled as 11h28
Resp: 9h32
